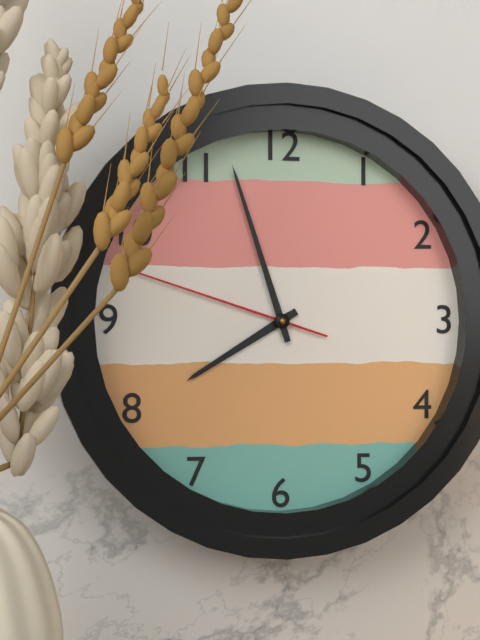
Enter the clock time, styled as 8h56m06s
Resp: 7h57m48s
